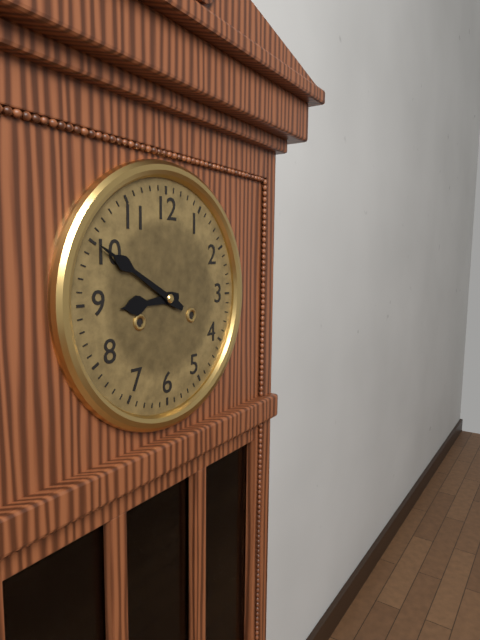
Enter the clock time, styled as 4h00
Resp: 8h50
